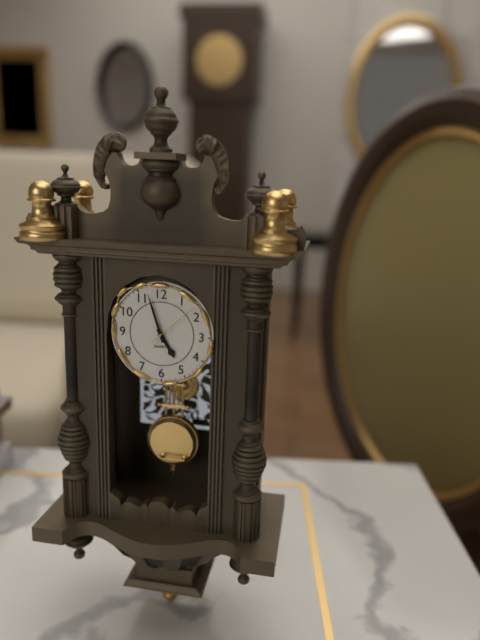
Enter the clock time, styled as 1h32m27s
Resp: 4h57m08s
